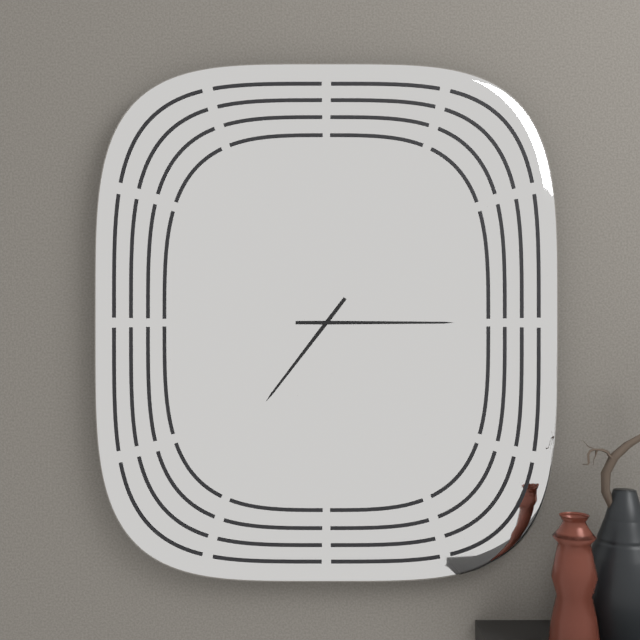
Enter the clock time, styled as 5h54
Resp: 7h15
